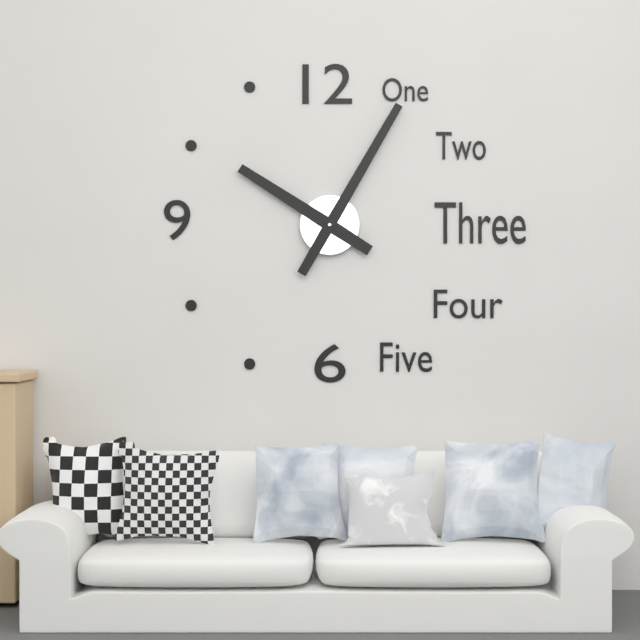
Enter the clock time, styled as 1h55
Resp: 10h05
